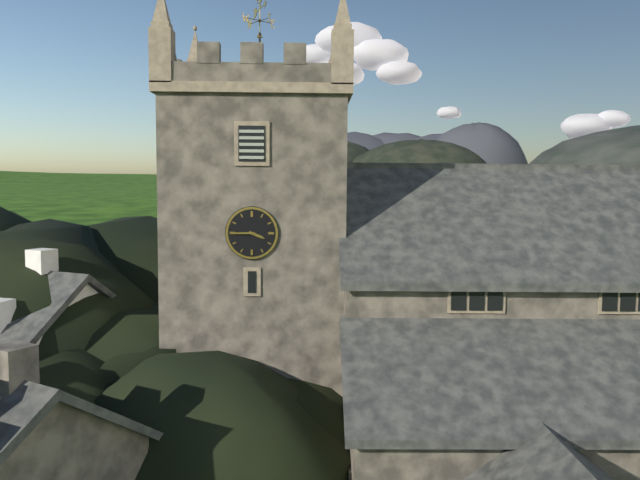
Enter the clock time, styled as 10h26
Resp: 3h45
